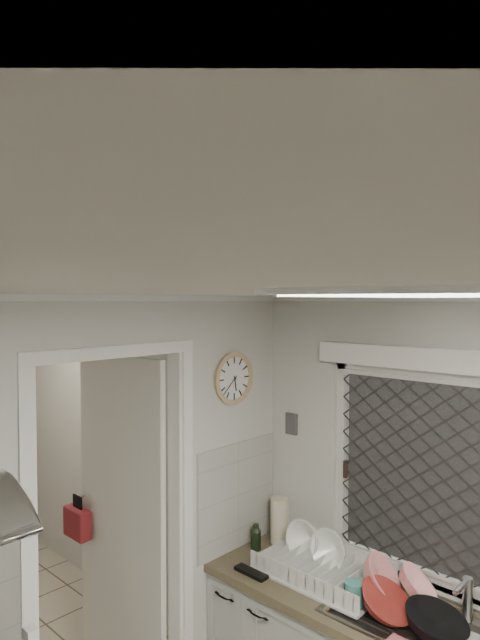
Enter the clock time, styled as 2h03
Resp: 5h38
